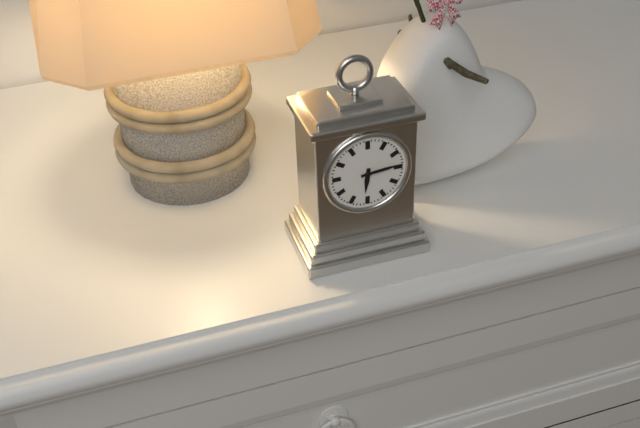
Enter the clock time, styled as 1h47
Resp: 6h14
